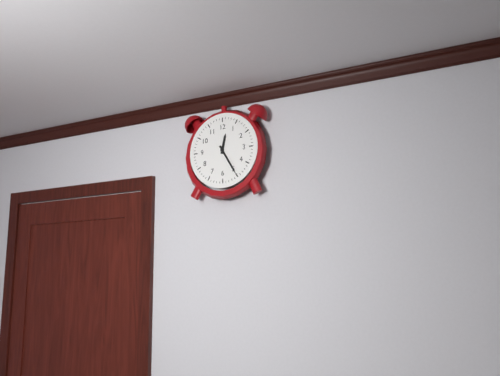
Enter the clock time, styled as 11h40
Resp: 12h25
